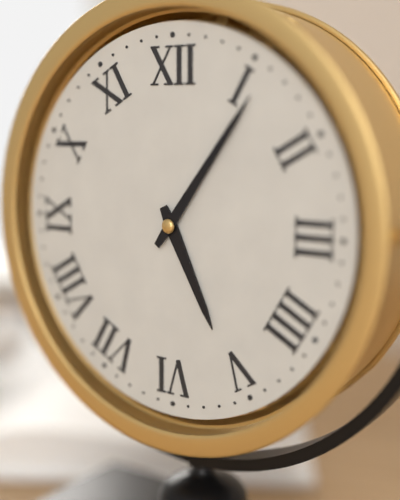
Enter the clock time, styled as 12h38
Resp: 5h06
